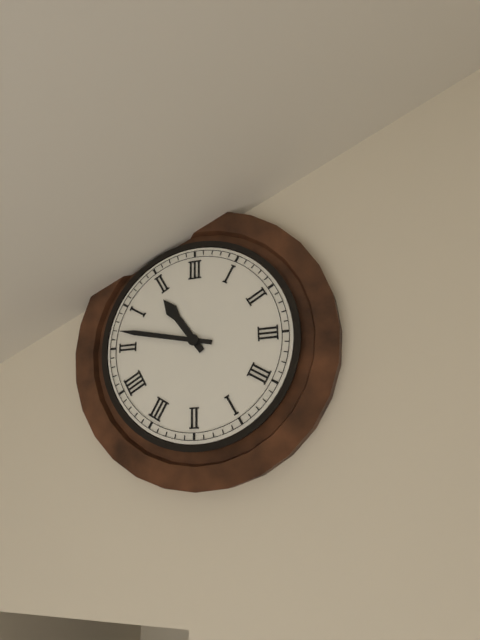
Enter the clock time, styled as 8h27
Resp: 10h47
